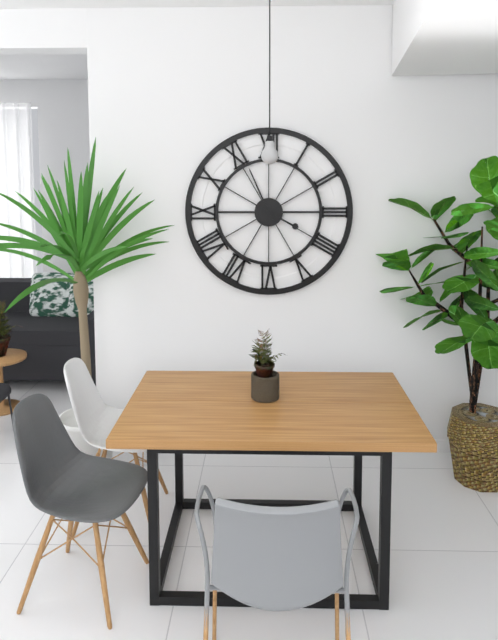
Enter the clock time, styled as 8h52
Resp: 3h56
